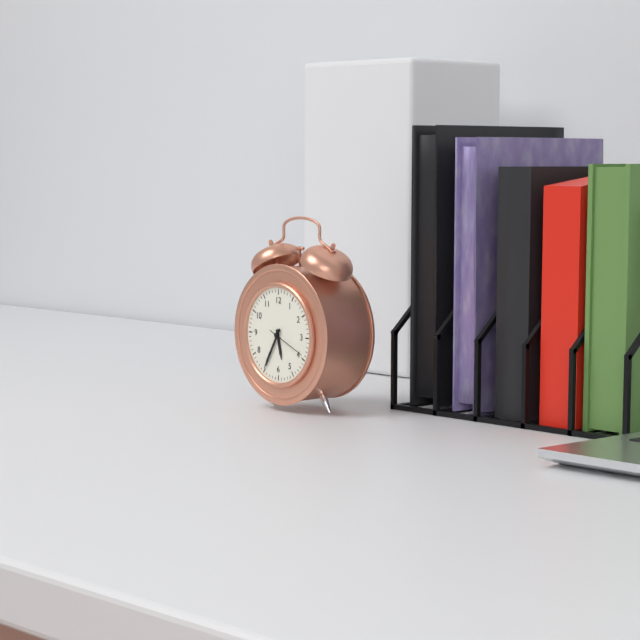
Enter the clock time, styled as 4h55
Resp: 5h35
